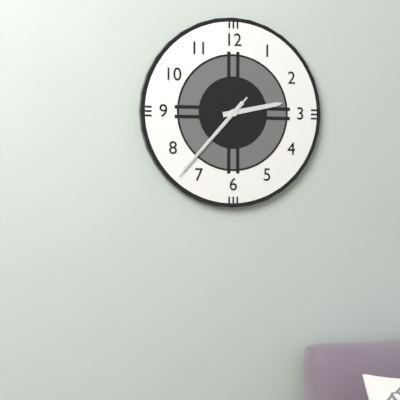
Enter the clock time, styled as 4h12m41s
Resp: 2h37m37s
